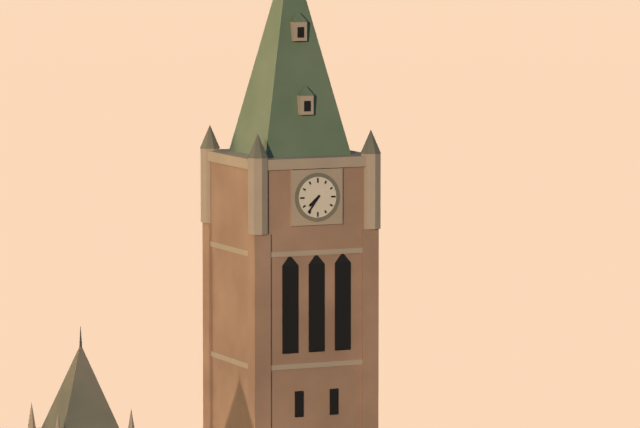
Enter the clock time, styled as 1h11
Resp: 7h36
